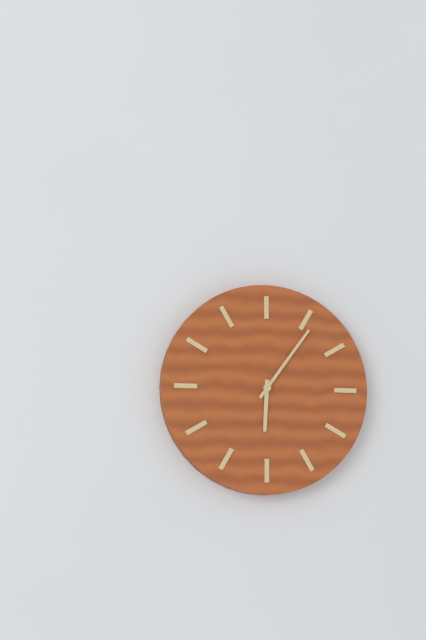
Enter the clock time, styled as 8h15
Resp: 6h06
